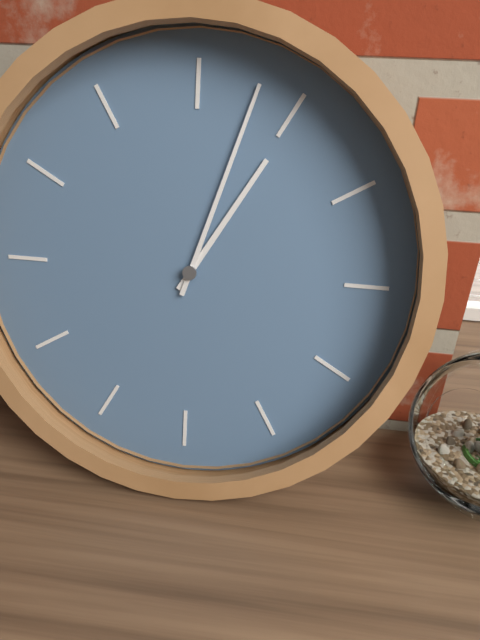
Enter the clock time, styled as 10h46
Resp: 1h03
